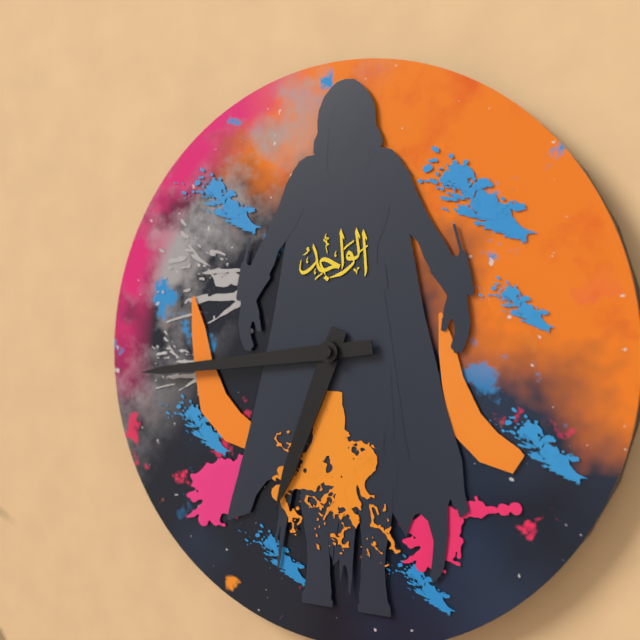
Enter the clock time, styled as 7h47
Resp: 6h44
